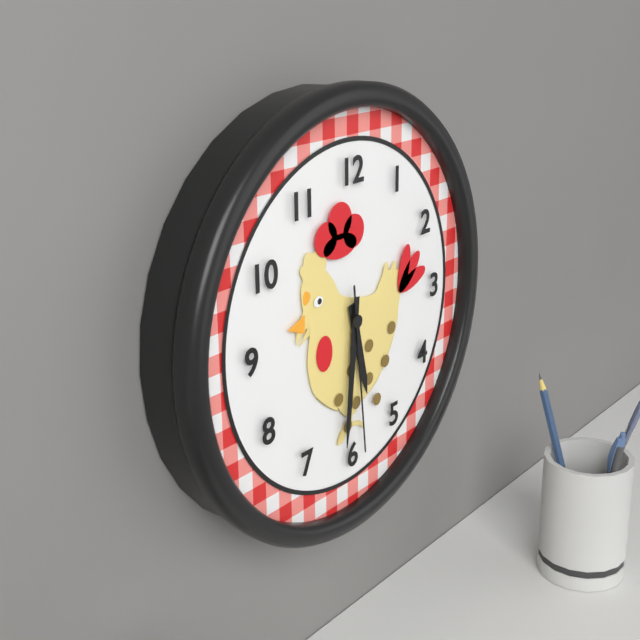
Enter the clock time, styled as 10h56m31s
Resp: 5h31m29s
